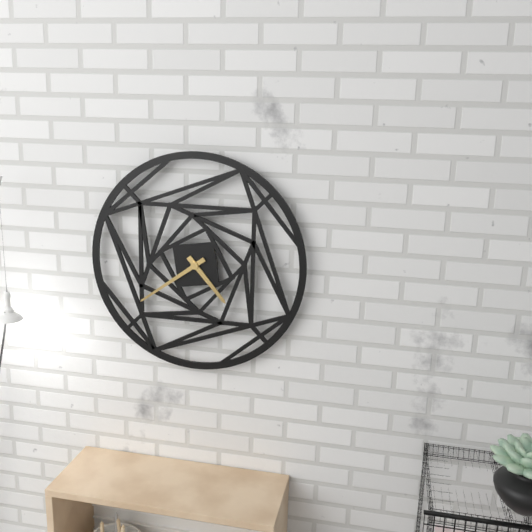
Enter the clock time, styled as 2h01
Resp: 4h39
